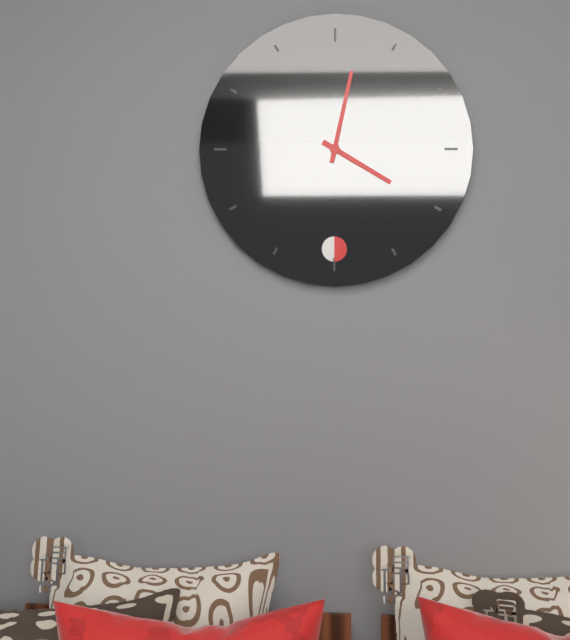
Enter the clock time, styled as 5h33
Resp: 4h02
